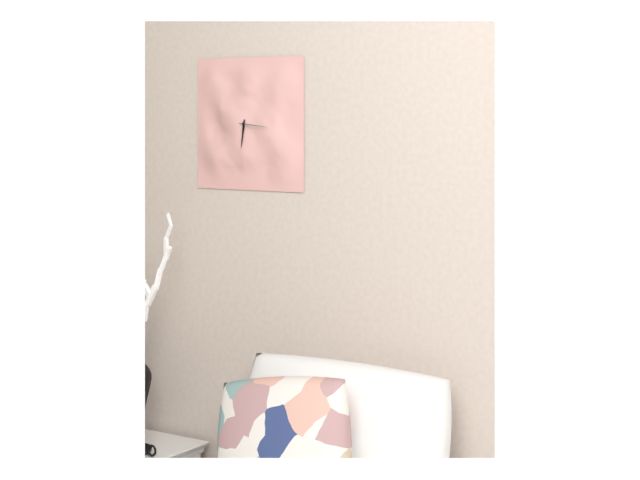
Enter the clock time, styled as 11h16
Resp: 6h16
